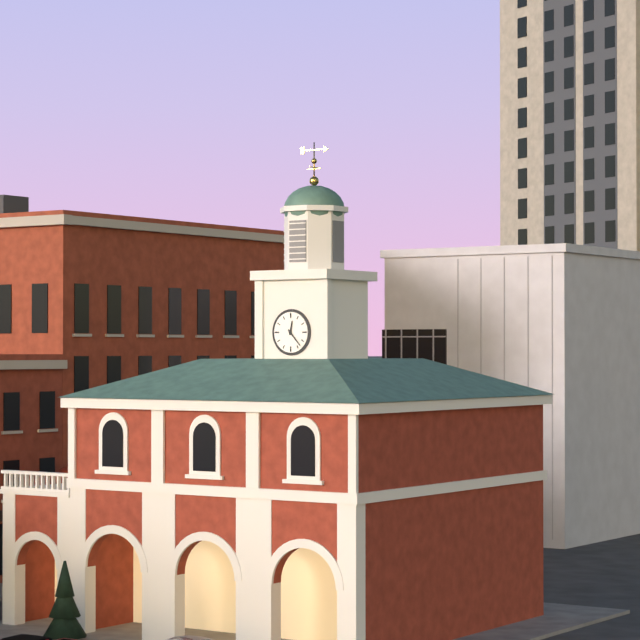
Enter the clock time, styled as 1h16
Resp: 12h23
